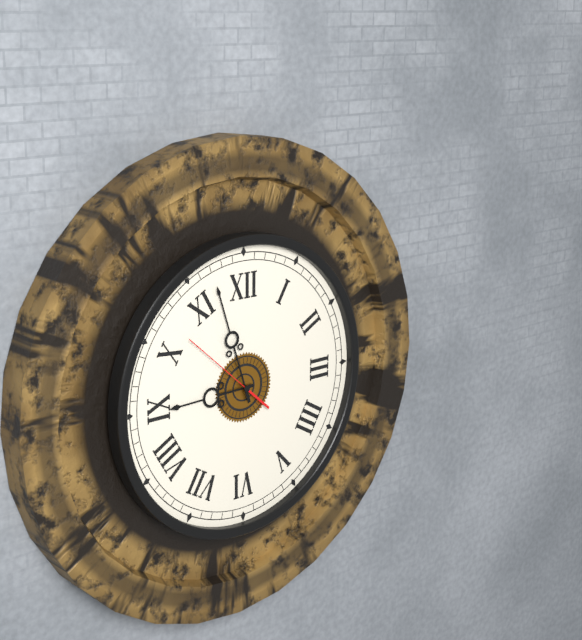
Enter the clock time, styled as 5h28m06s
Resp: 8h57m52s
